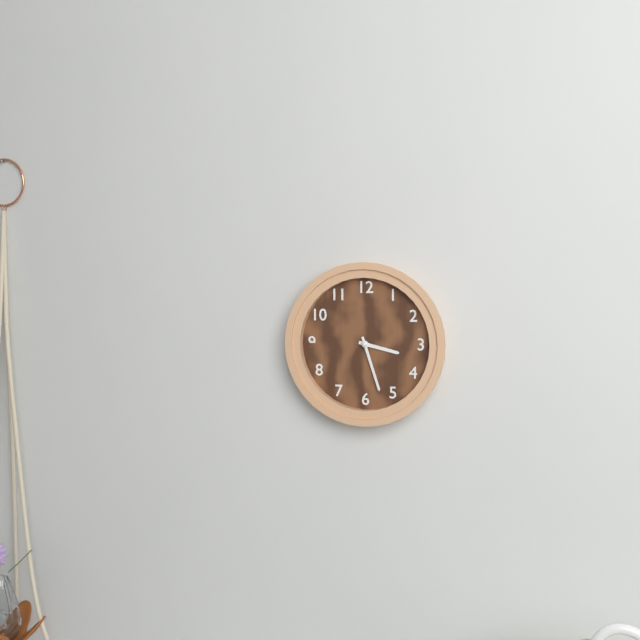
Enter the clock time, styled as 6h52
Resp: 3h27
